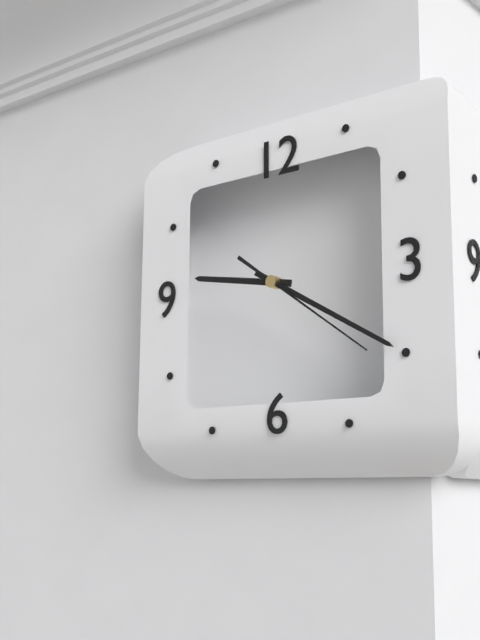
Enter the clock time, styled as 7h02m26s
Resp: 9h20m21s
